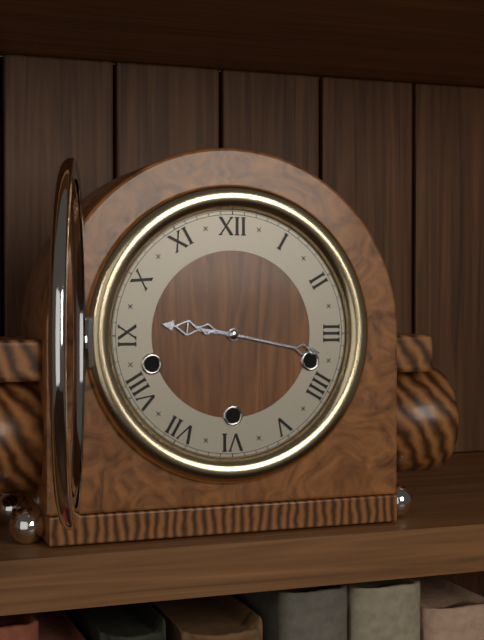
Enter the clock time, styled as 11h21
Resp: 9h17
